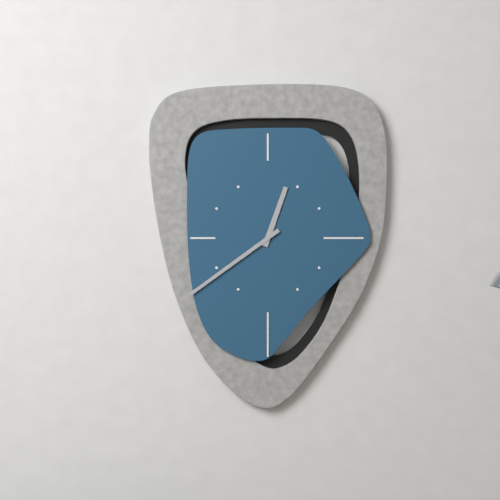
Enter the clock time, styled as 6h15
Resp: 12h39
